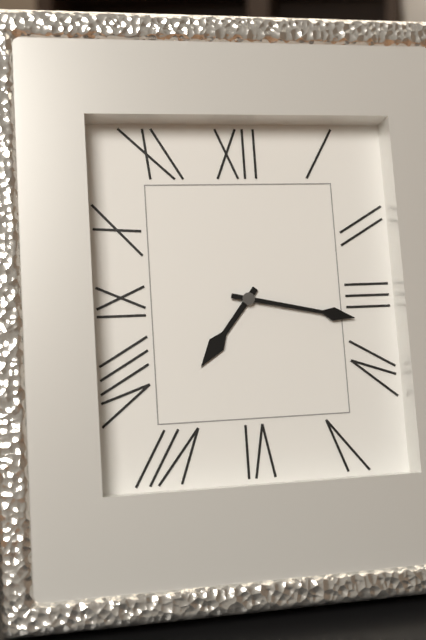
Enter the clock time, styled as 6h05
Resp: 7h17
